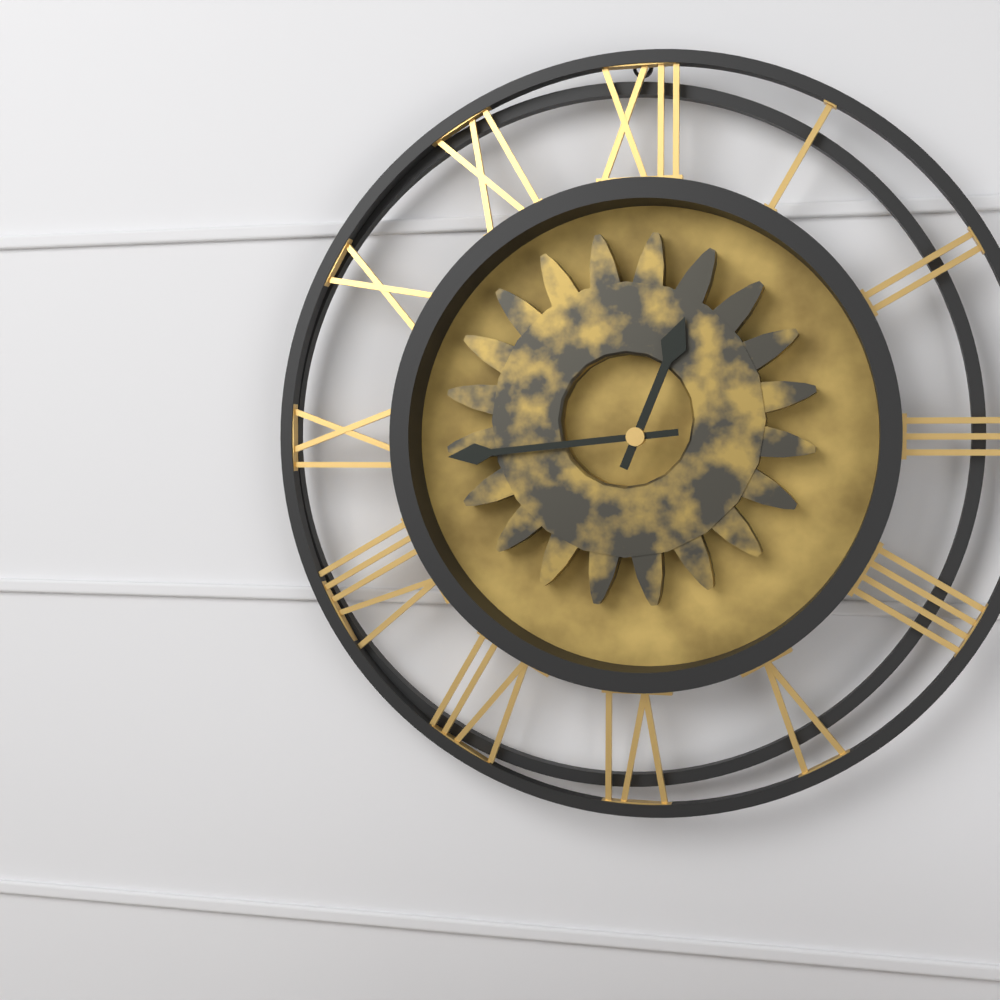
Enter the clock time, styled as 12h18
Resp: 12h44
